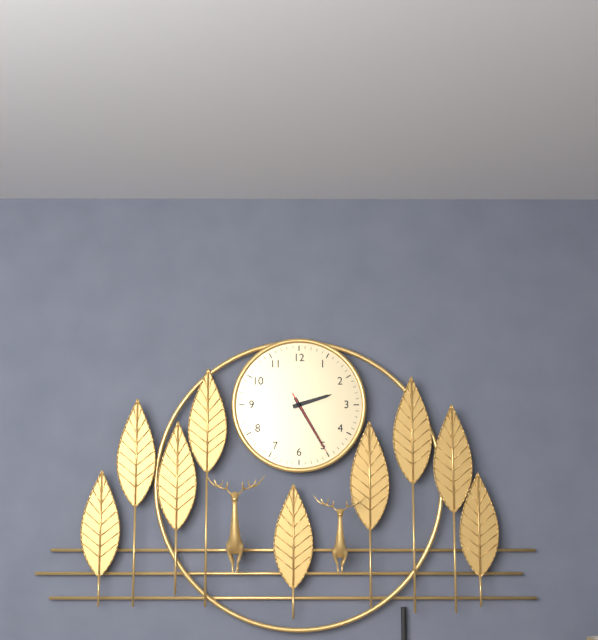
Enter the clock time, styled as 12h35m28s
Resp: 2h25m25s
